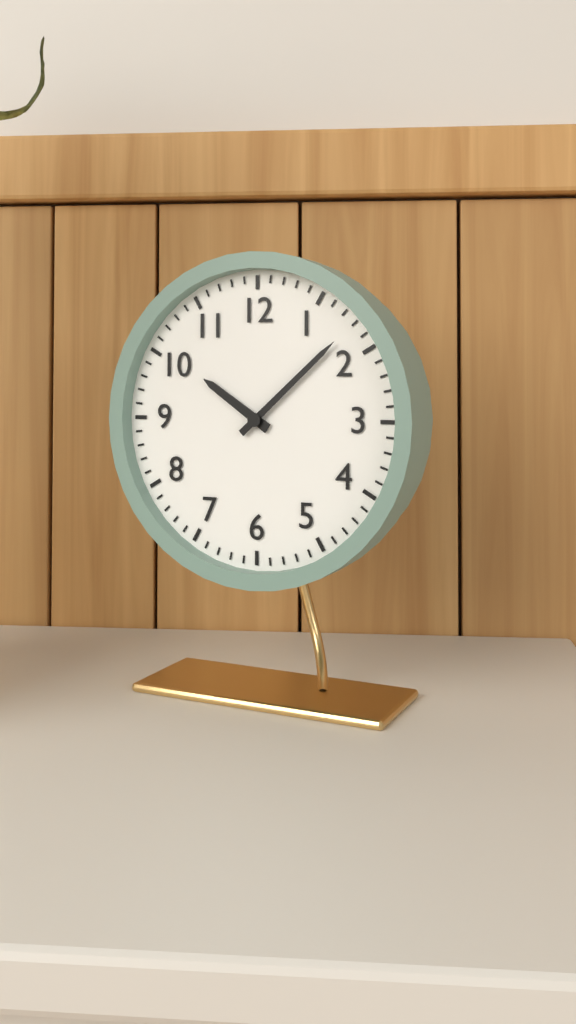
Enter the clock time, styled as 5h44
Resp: 10h08
